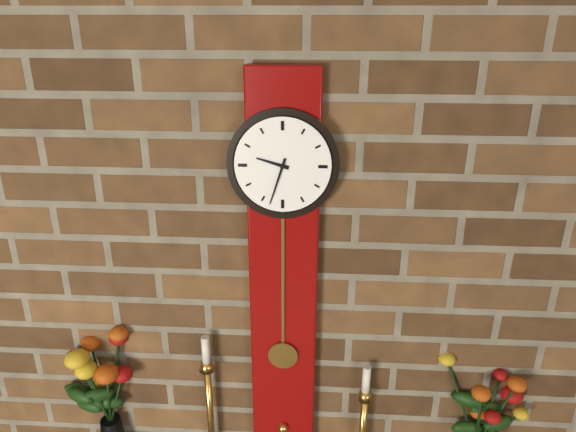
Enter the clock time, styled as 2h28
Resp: 9h33
